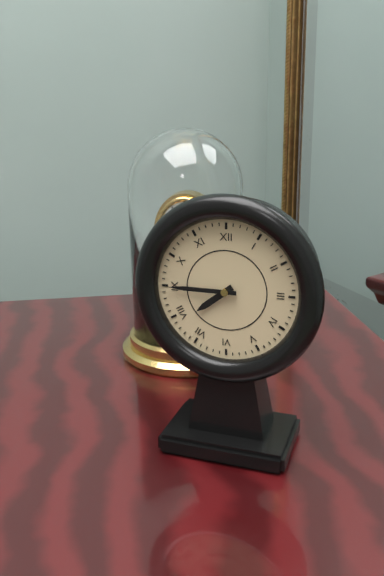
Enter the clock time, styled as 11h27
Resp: 7h45
